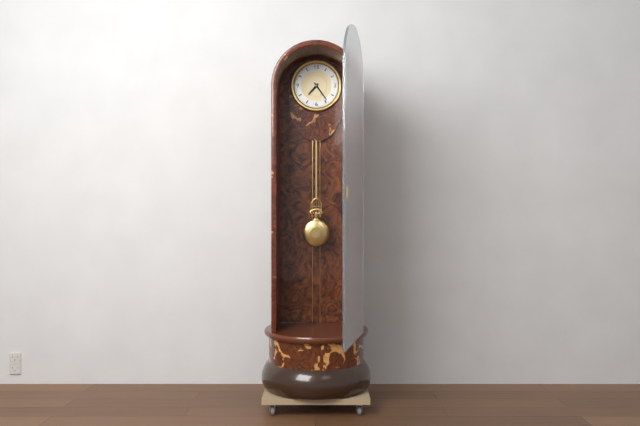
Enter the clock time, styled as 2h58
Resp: 7h24
